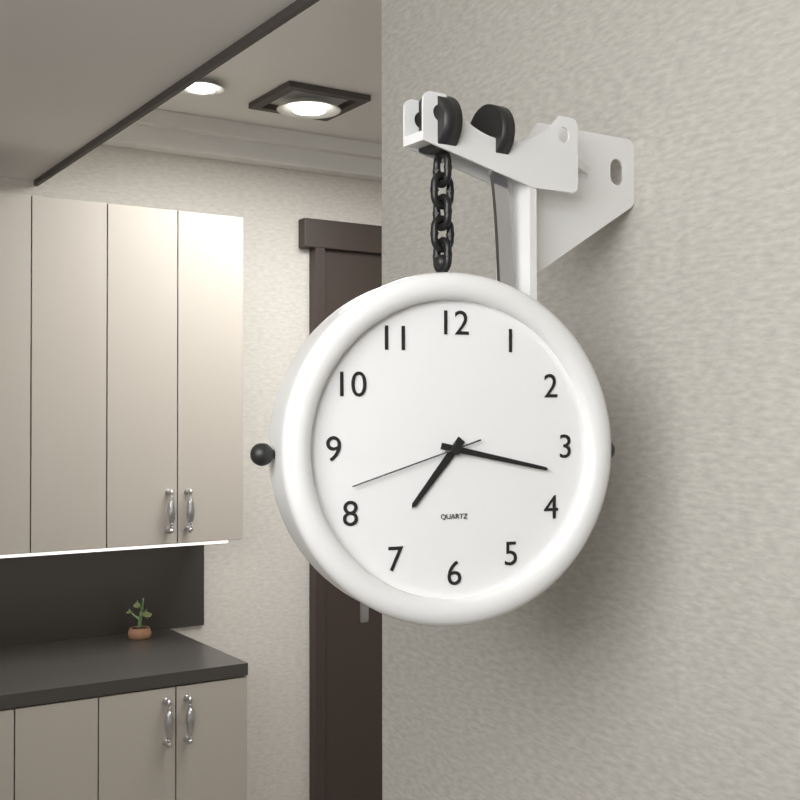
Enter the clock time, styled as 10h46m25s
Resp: 7h17m42s
